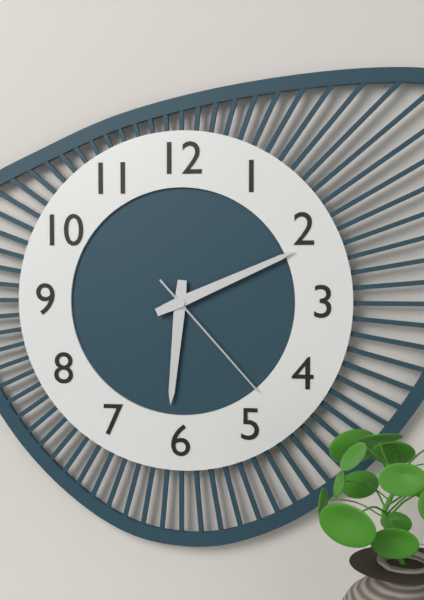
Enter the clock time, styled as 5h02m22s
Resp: 6h11m23s
